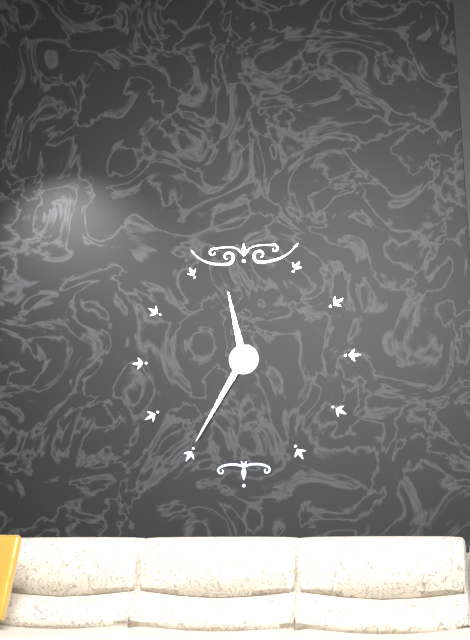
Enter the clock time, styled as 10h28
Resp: 11h35
